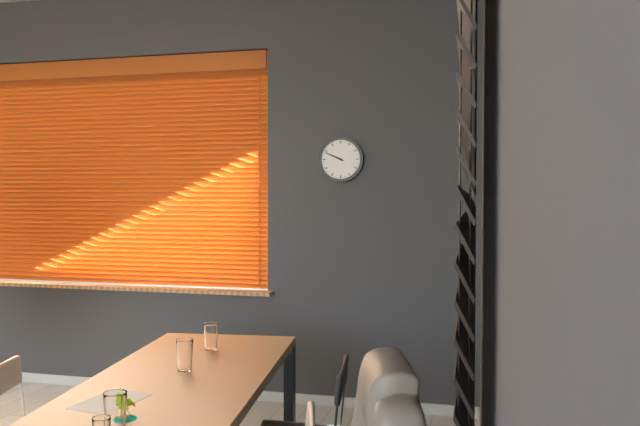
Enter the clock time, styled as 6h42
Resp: 9h49
